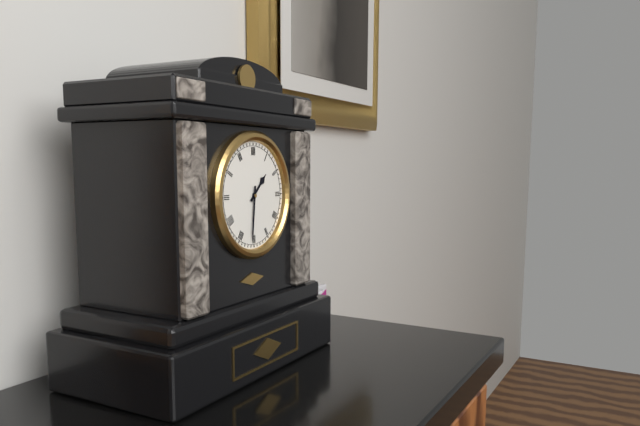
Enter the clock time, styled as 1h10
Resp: 1h31
